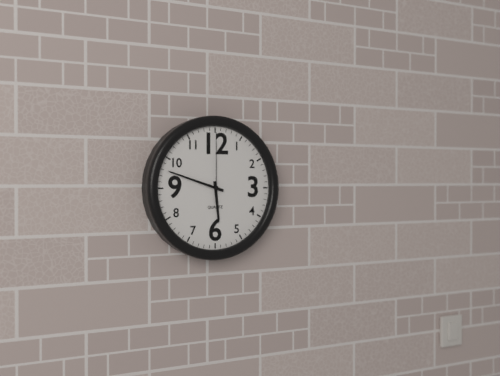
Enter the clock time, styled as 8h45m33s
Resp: 5h48m00s
